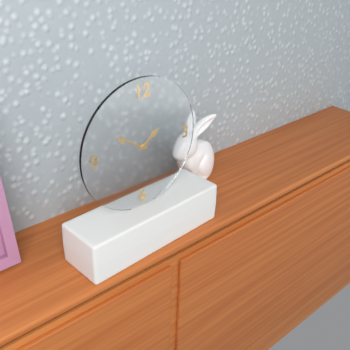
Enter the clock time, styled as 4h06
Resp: 1h50
